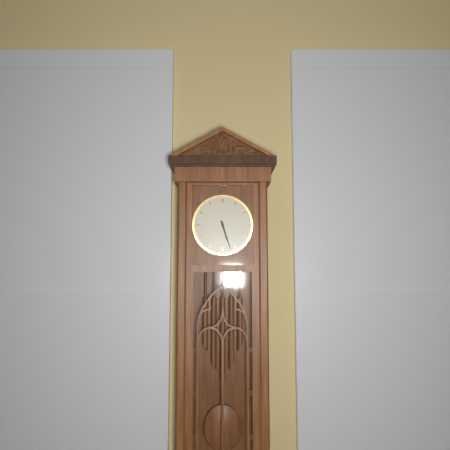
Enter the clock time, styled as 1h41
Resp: 5h27
